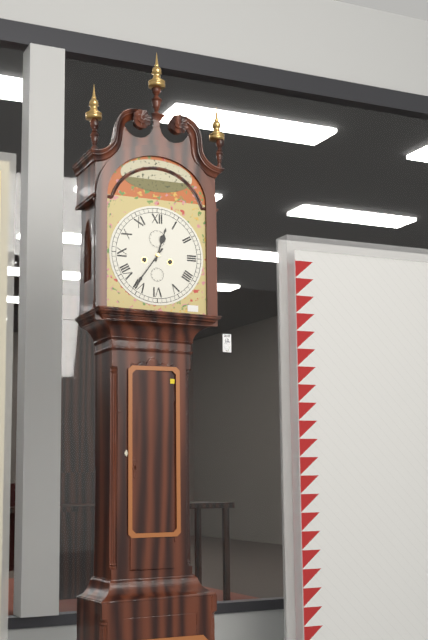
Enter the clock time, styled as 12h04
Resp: 12h36
